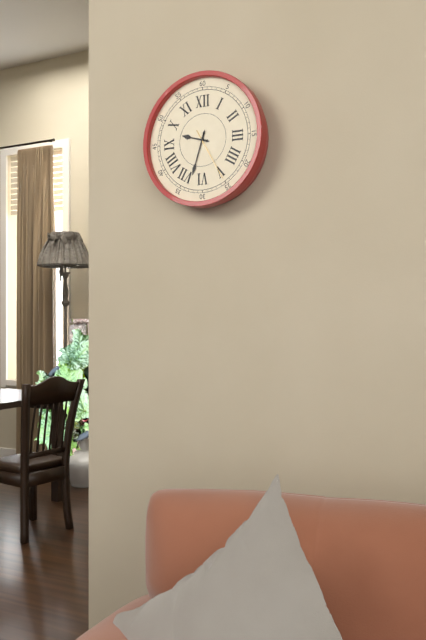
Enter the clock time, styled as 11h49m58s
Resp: 9h33m25s
